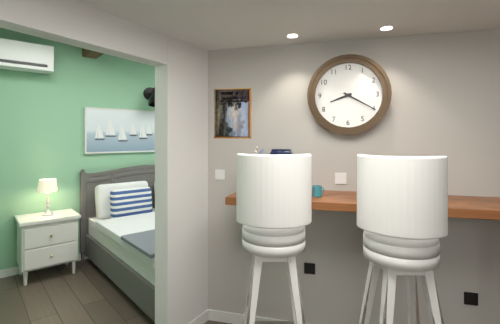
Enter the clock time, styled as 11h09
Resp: 8h20
